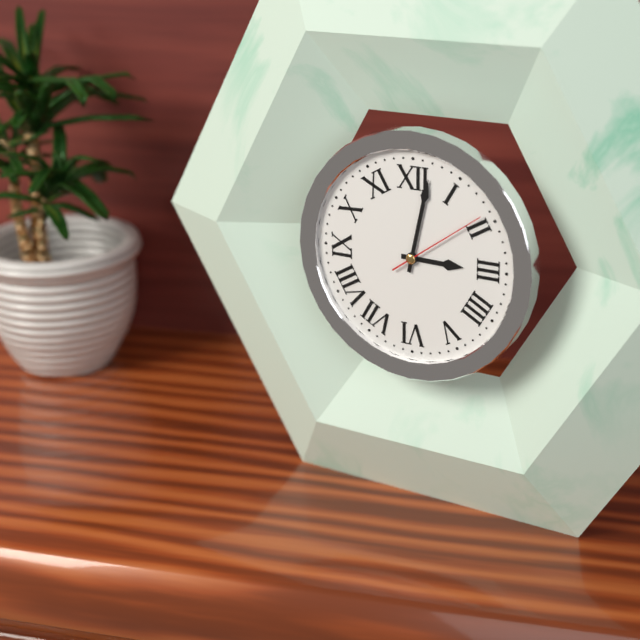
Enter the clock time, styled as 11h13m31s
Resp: 3h02m09s
